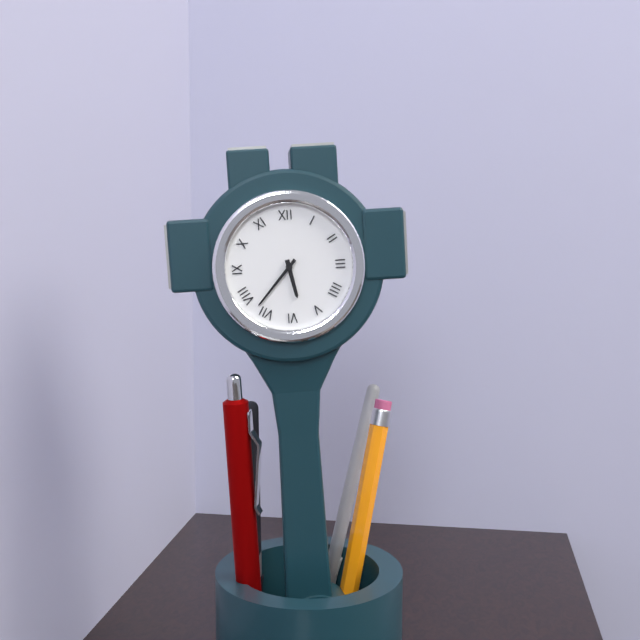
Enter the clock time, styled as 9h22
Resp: 5h37
